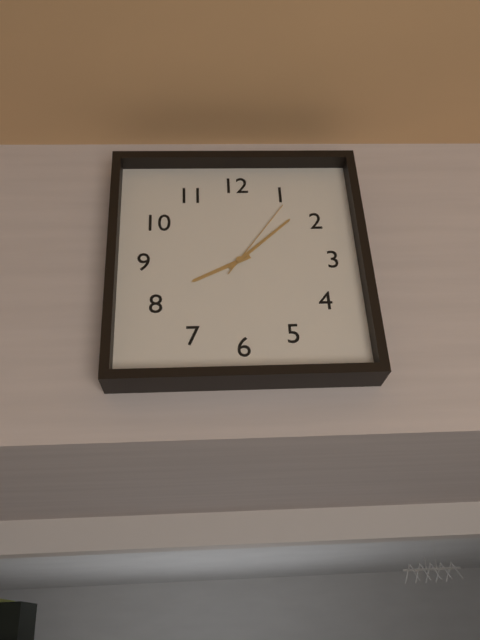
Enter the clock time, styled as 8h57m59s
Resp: 8h08m06s
